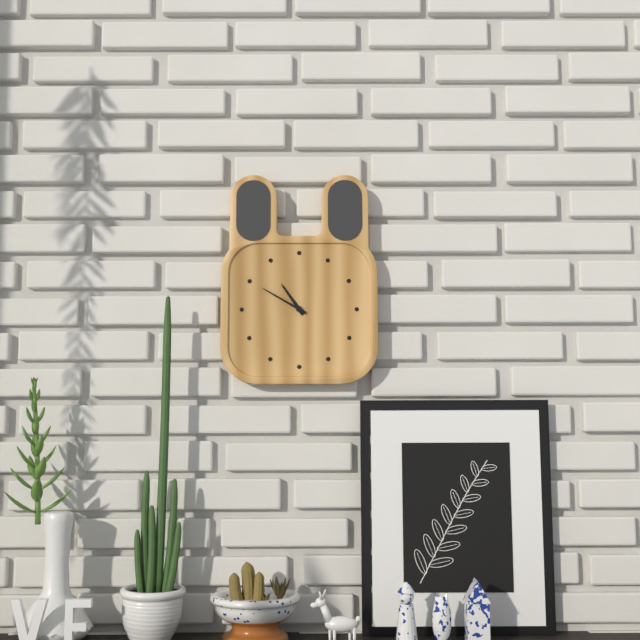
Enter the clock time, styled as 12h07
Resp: 10h50
